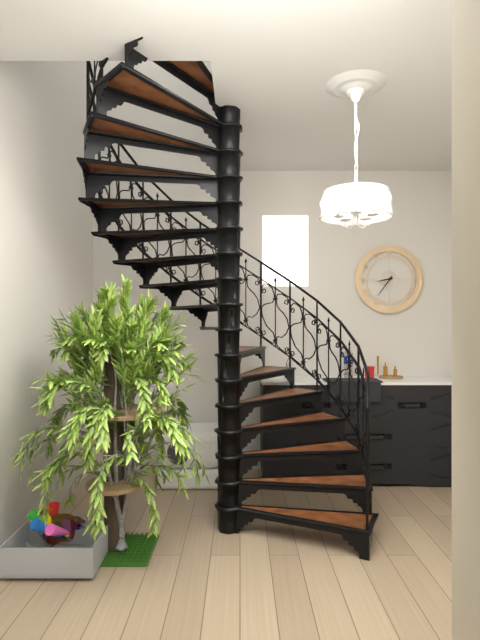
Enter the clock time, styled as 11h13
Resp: 8h36
